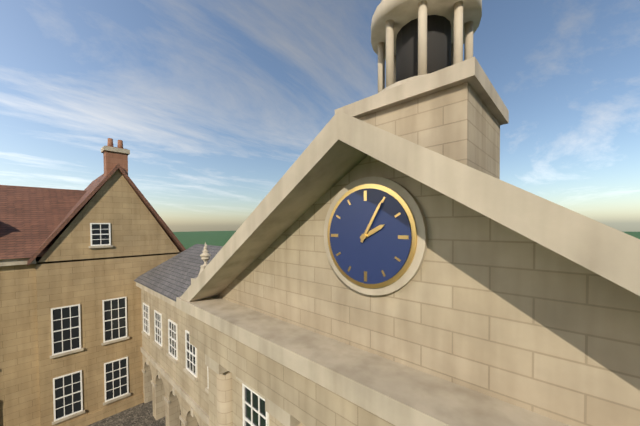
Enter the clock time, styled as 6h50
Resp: 2h05
